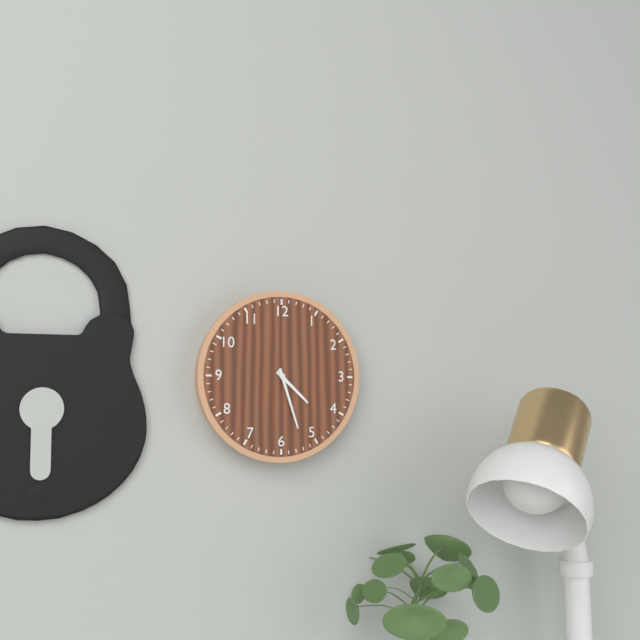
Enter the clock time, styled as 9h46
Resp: 4h27
